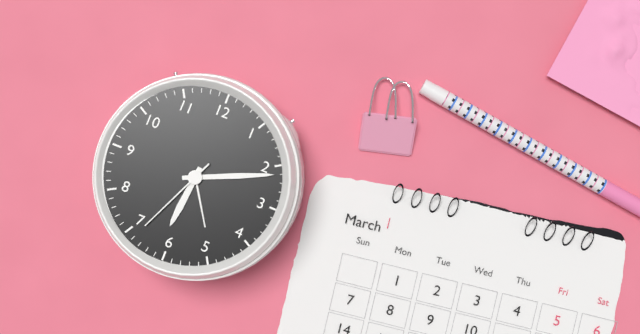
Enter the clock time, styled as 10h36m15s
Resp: 6h11m34s
